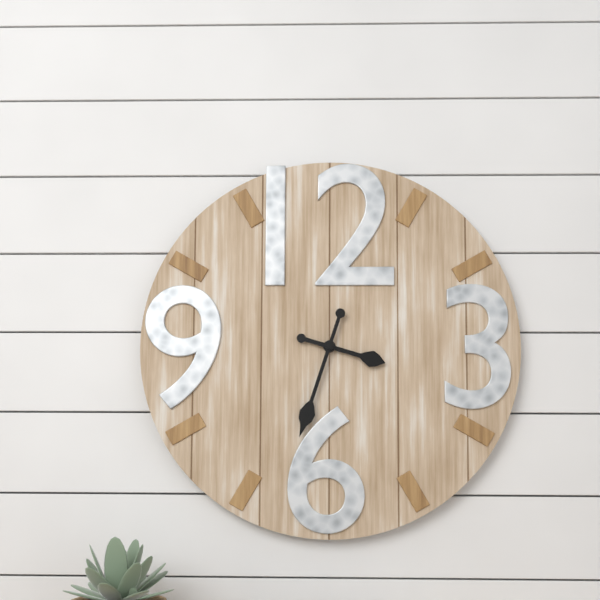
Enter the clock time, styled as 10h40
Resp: 3h33
